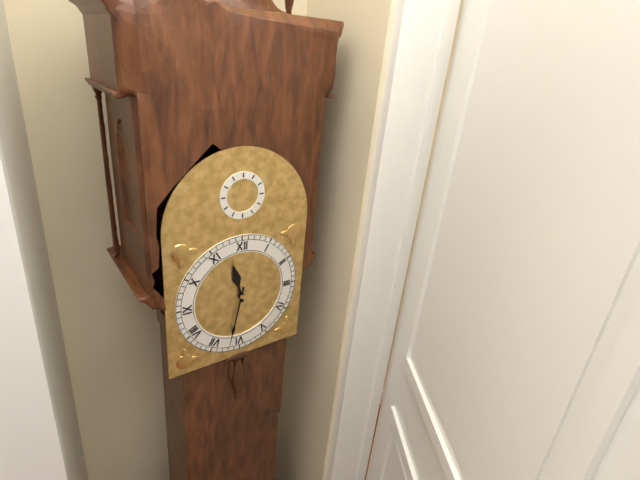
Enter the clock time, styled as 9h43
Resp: 11h32
